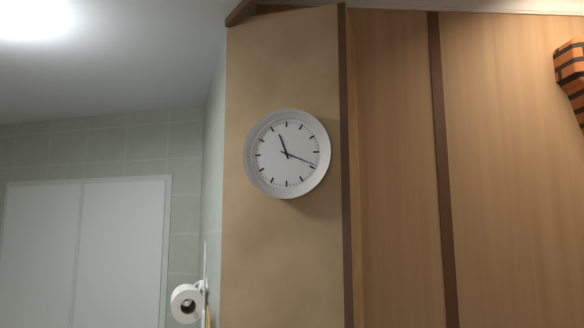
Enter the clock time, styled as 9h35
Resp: 11h19
